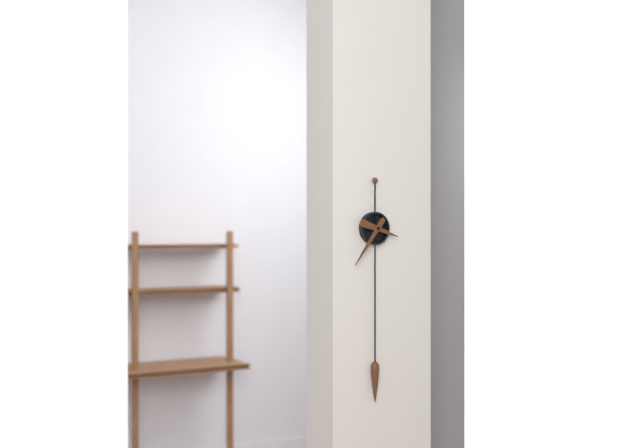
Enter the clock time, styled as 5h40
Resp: 3h36
